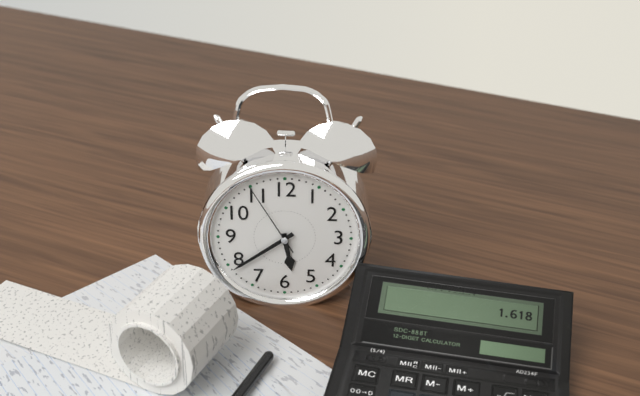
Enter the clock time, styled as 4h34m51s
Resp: 5h39m55s
